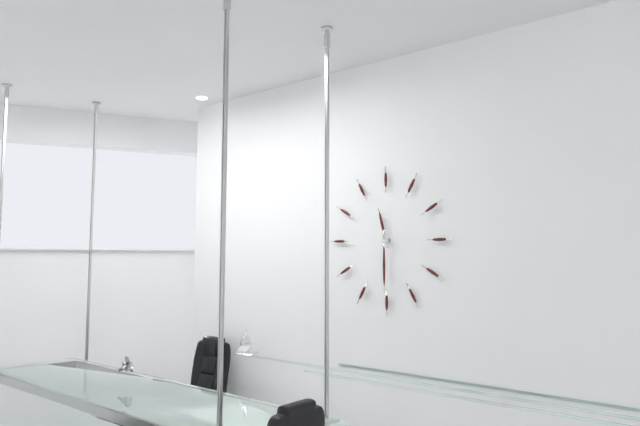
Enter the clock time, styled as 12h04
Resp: 11h30
